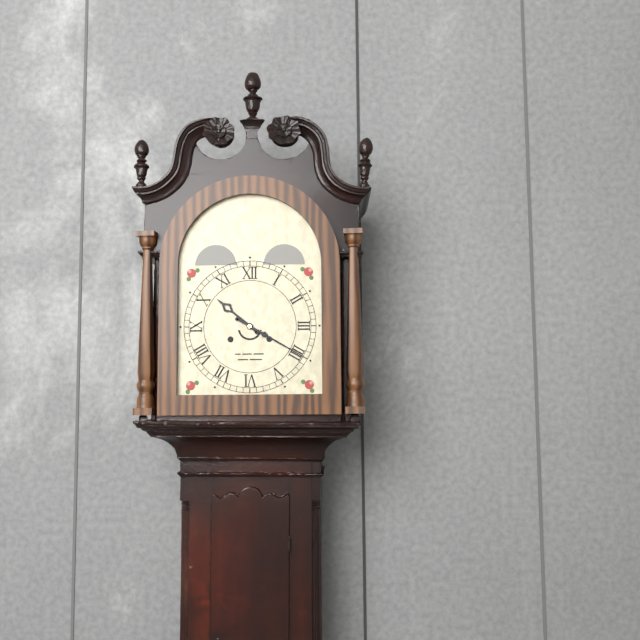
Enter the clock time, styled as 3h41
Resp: 10h20
